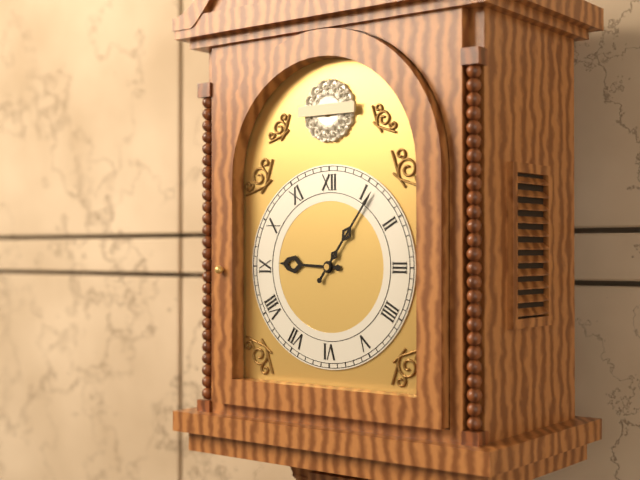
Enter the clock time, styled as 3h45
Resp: 9h06
